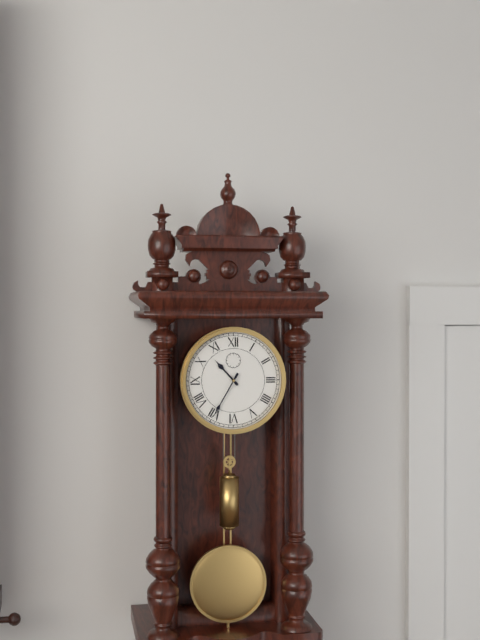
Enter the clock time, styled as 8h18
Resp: 10h35
